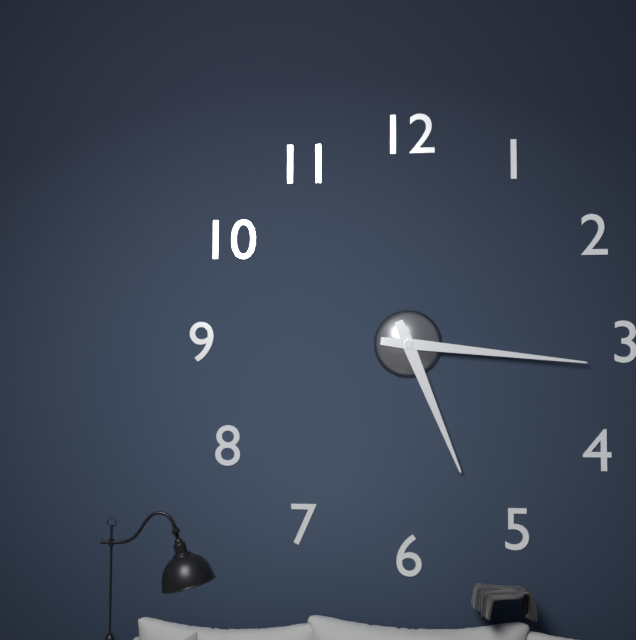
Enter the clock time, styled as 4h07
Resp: 5h16
